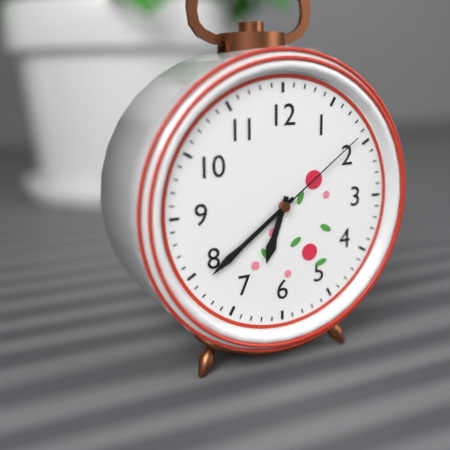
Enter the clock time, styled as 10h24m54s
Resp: 6h39m09s
